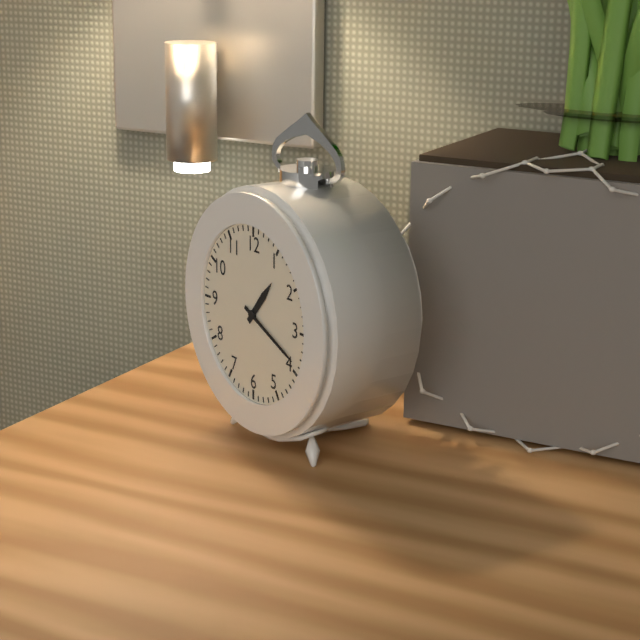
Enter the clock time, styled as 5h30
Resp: 1h19
